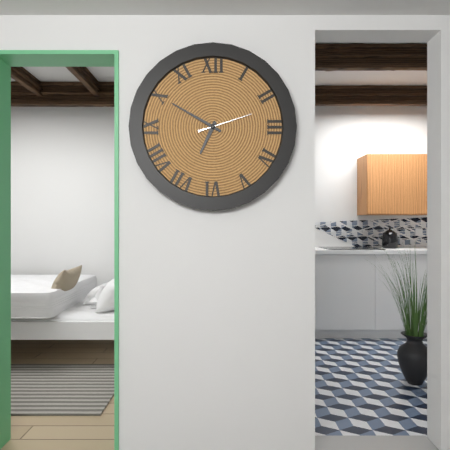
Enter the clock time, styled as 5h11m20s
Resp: 6h50m12s
